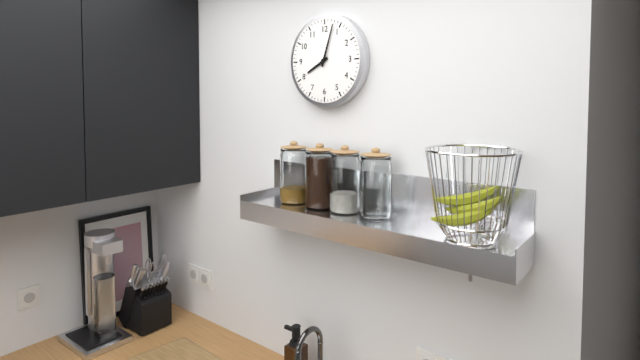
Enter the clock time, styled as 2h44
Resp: 8h03
